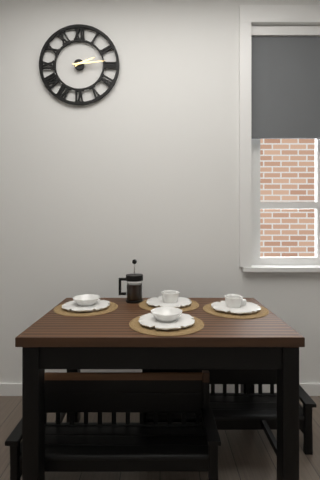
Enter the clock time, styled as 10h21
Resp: 2h14
